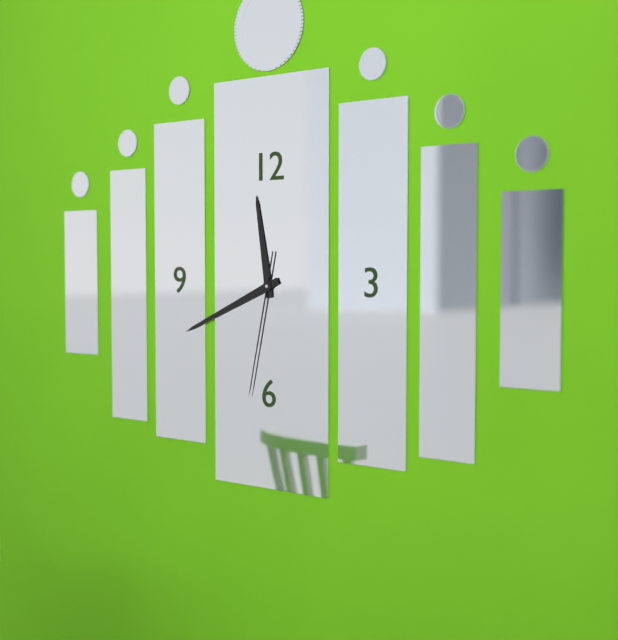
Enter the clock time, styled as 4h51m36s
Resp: 11h41m32s
